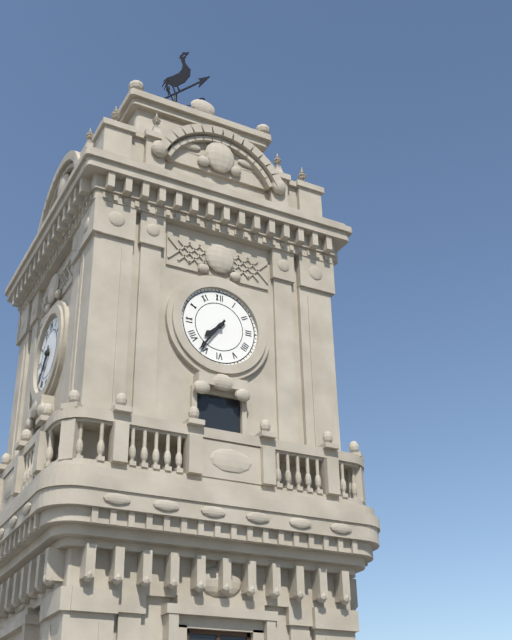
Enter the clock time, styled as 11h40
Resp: 7h36
